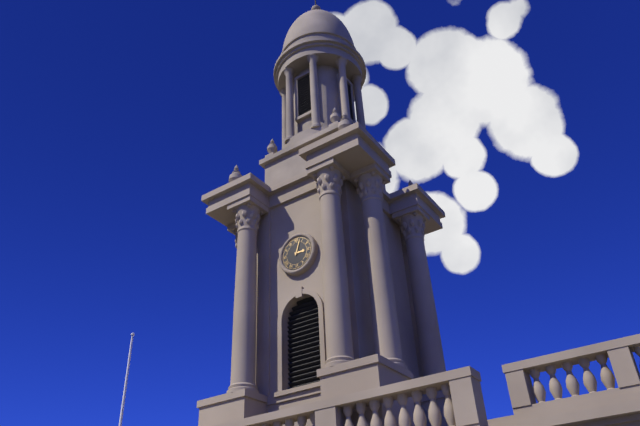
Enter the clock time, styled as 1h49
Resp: 3h03
